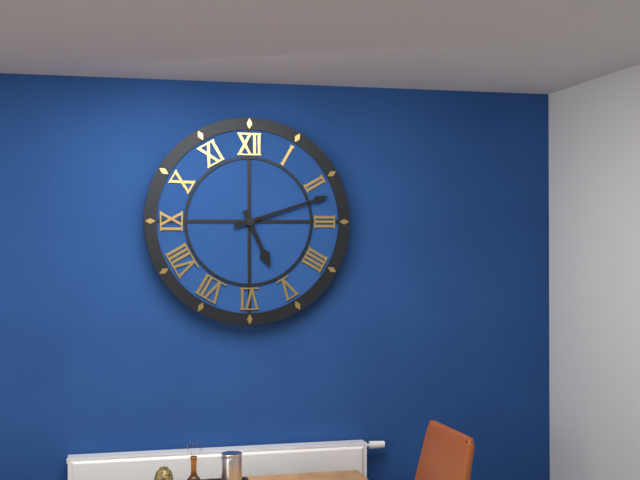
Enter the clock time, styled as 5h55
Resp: 5h12
